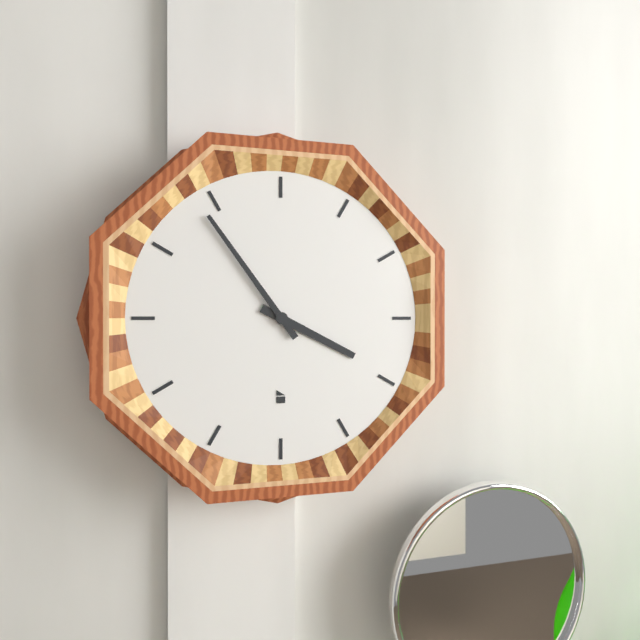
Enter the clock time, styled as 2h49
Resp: 3h54
